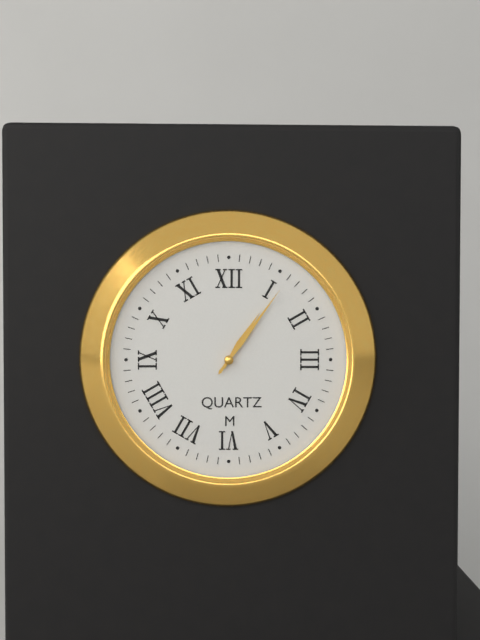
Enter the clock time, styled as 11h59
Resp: 1h06
